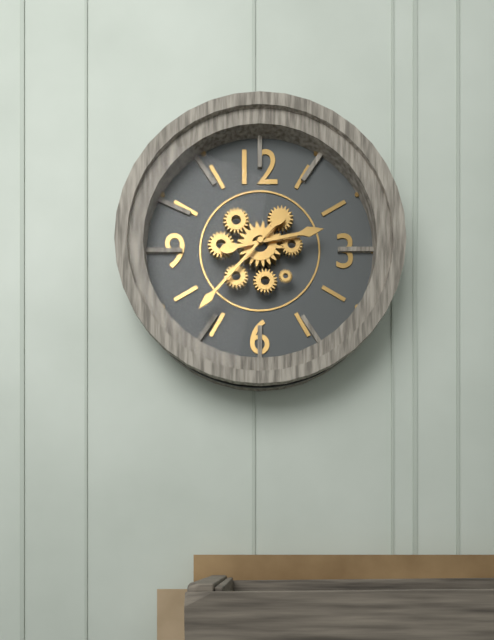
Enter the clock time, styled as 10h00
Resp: 2h37
